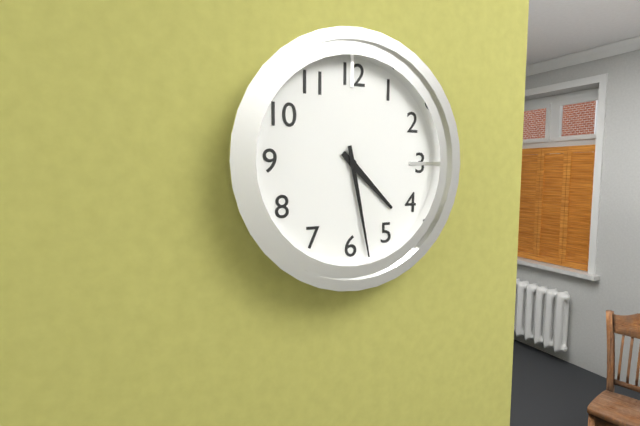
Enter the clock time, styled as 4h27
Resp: 4h28
